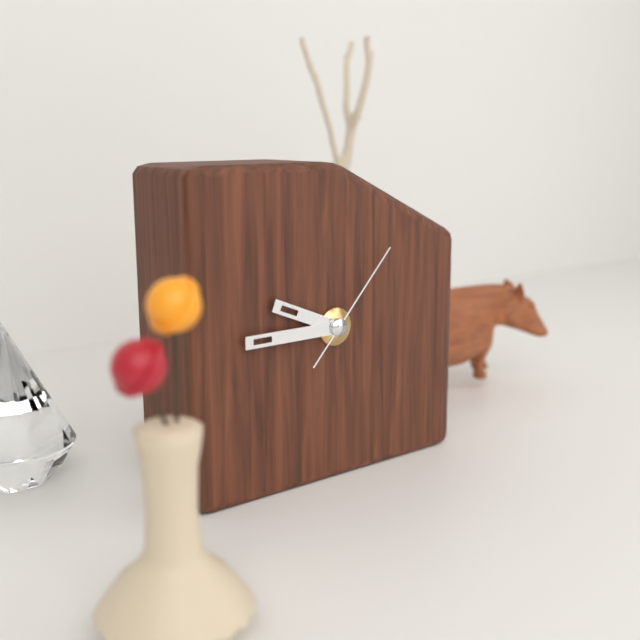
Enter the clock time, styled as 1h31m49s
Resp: 9h45m07s
